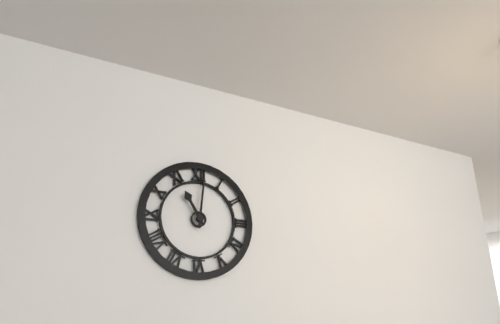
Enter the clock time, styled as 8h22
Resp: 11h01
